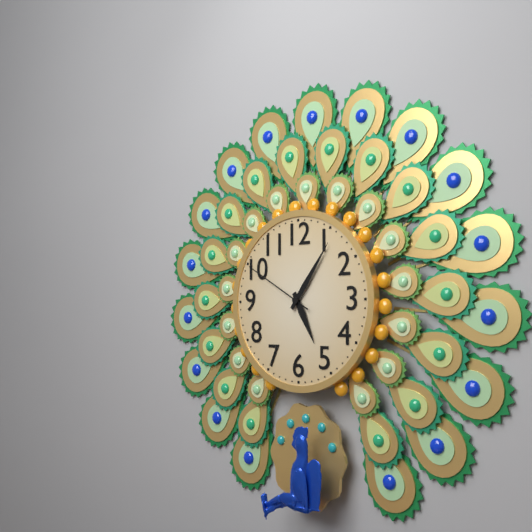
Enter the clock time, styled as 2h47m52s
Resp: 5h06m50s
